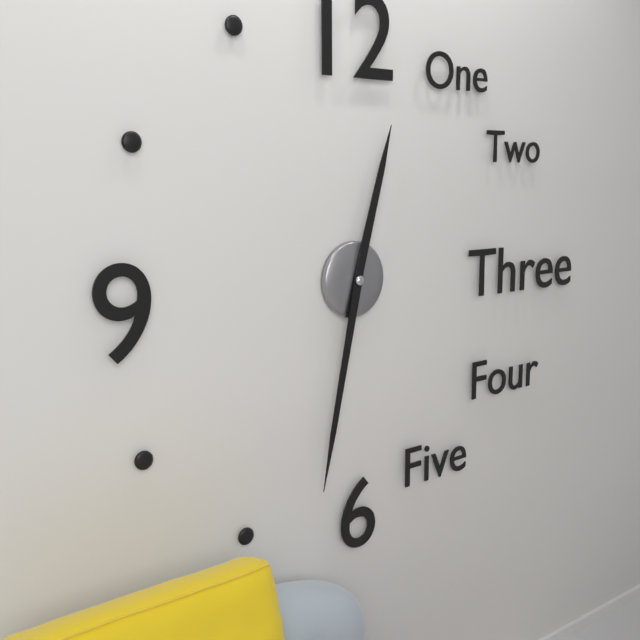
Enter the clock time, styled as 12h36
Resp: 12h32
